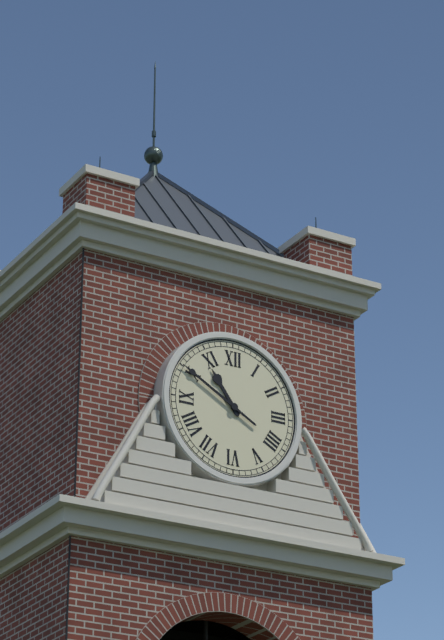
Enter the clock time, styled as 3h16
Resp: 10h50
